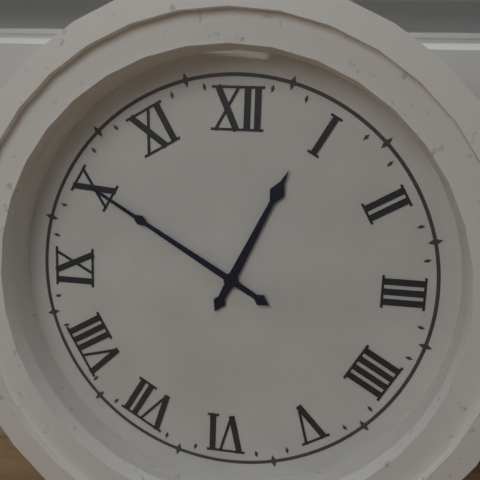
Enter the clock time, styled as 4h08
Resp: 12h50
